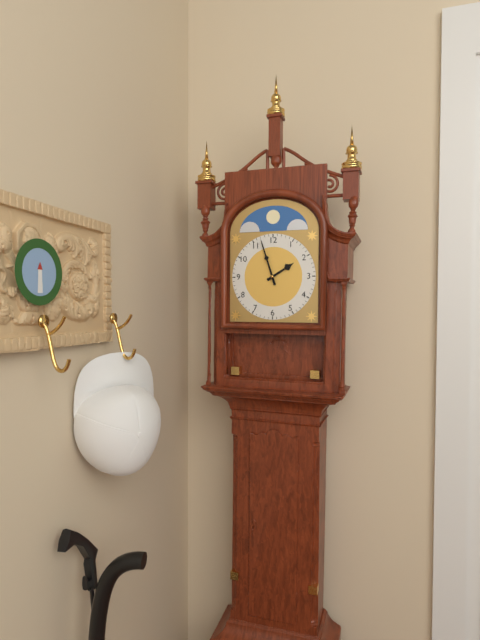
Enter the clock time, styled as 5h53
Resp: 1h57
